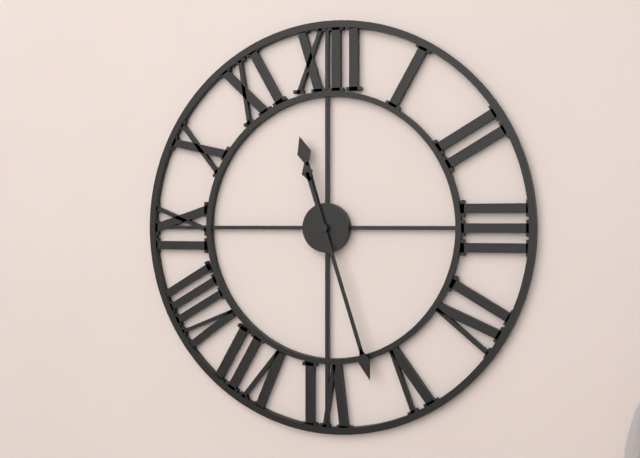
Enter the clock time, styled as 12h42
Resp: 11h27
